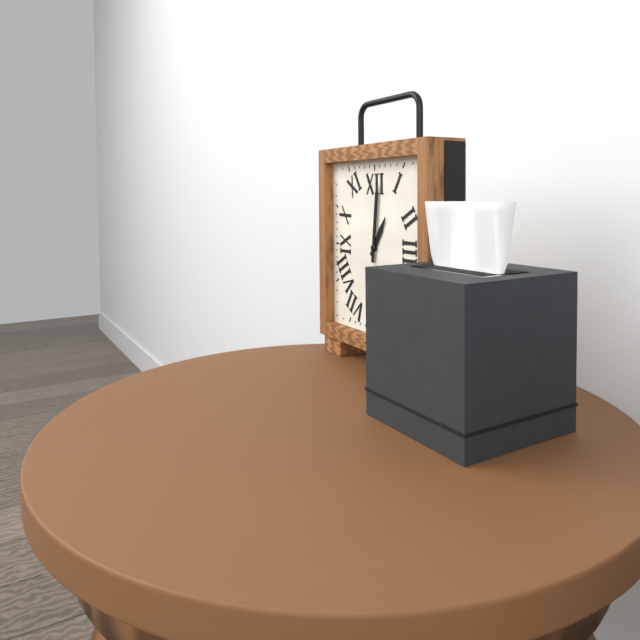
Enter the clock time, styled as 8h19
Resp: 1h01
